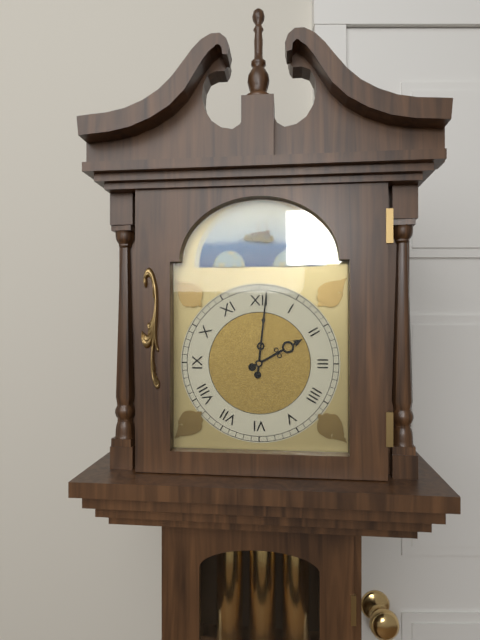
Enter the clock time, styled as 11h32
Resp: 2h01
